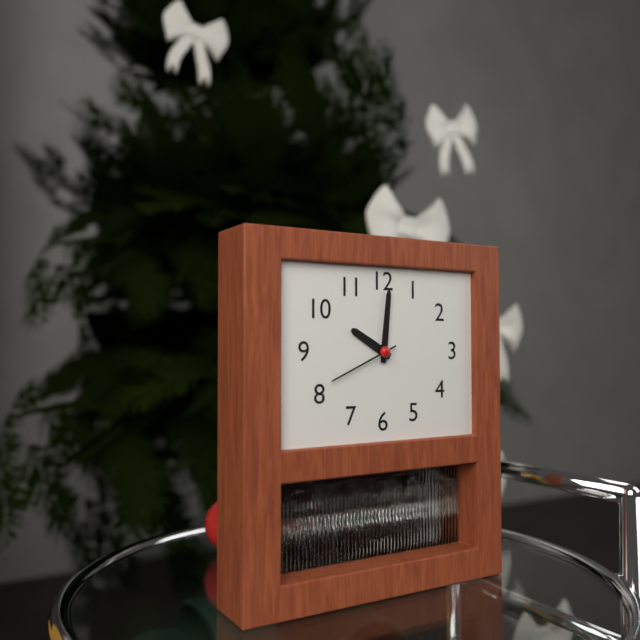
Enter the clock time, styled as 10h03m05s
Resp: 10h01m41s
